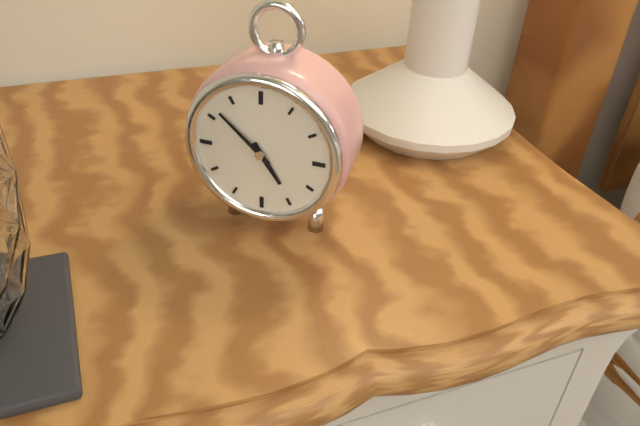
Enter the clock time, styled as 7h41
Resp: 4h52
